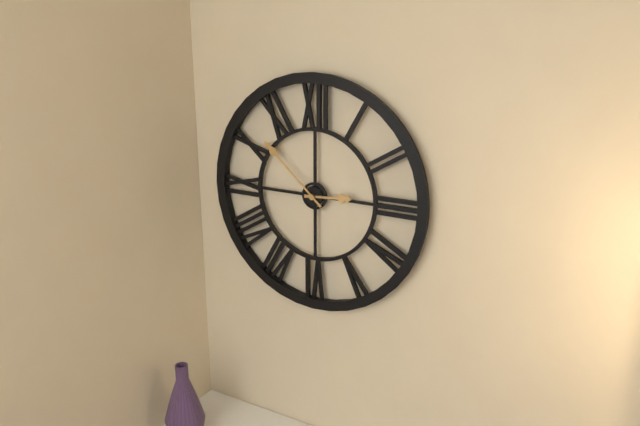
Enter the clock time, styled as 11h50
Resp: 2h52
